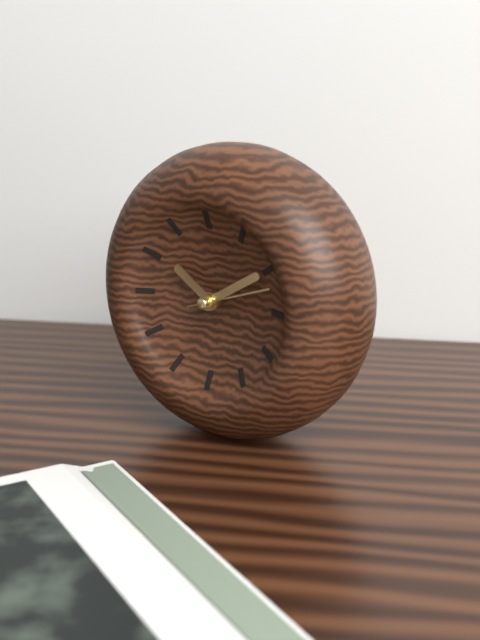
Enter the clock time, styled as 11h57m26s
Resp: 10h10m12s
